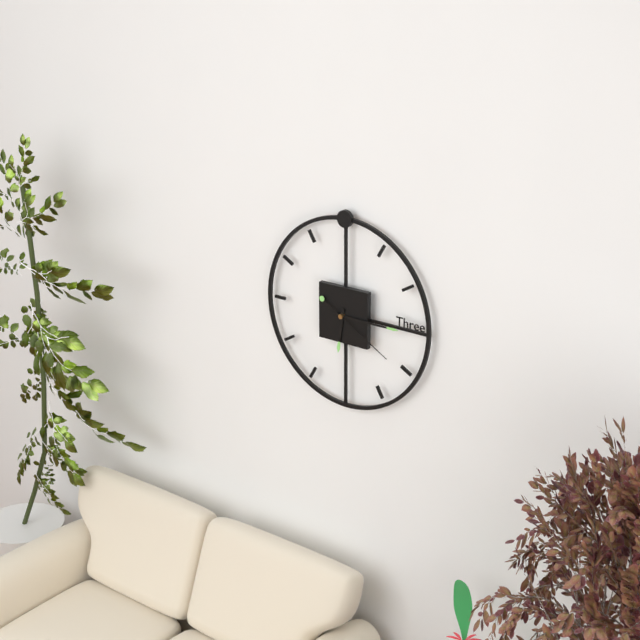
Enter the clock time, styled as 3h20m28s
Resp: 6h15m20s
